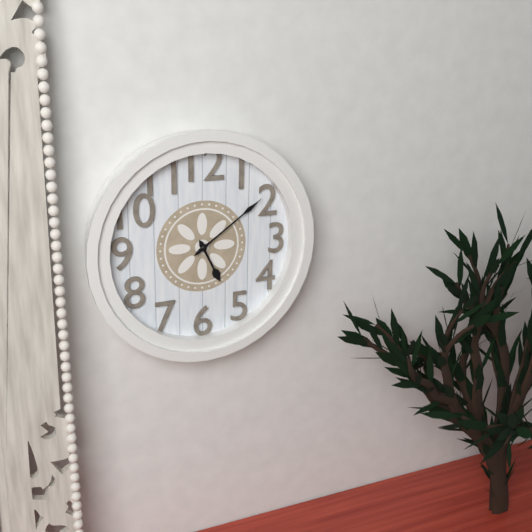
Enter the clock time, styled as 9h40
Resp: 5h09
